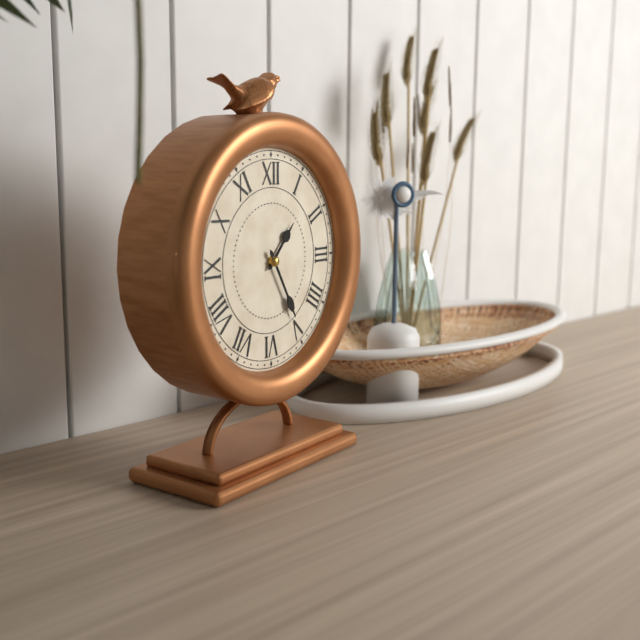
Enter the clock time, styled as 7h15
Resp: 1h25
